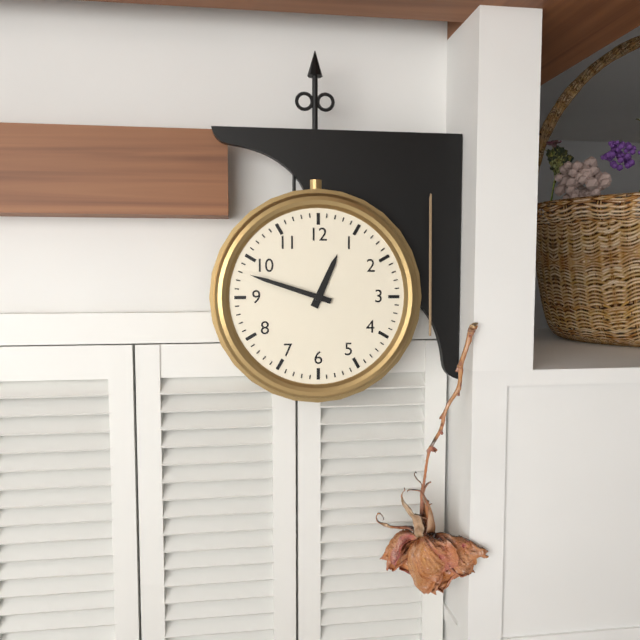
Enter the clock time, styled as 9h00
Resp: 12h48
